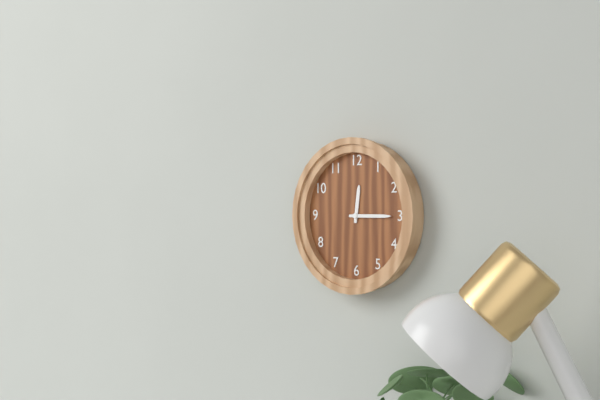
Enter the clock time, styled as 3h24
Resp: 12h15
